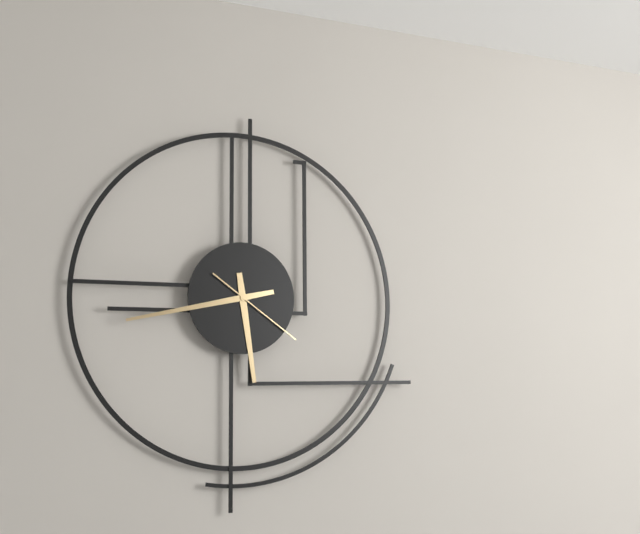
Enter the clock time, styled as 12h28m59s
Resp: 5h43m21s
